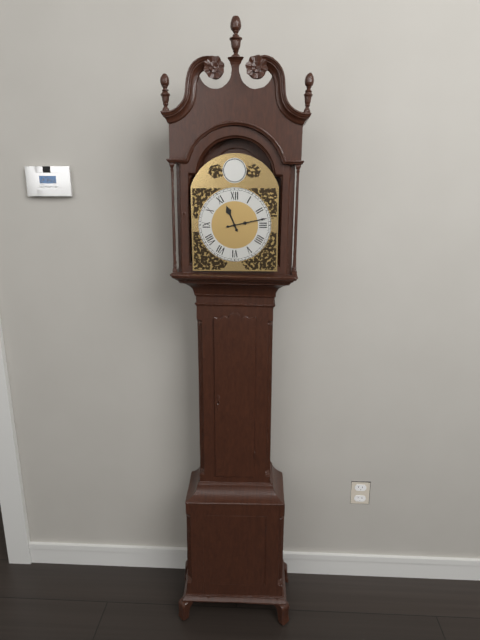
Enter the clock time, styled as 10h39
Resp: 11h13
